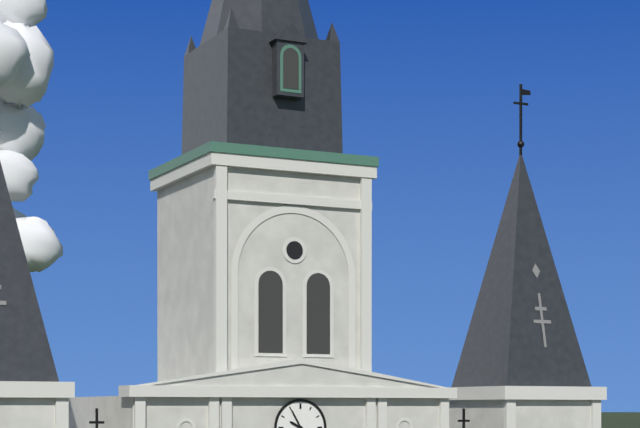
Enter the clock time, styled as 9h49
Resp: 9h55
